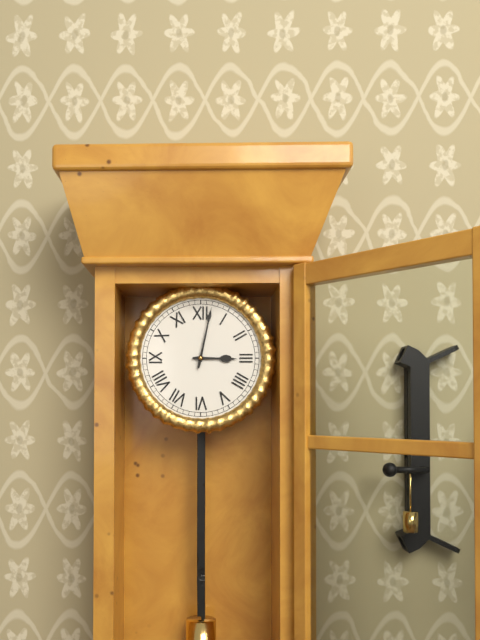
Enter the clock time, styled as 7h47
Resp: 3h02
